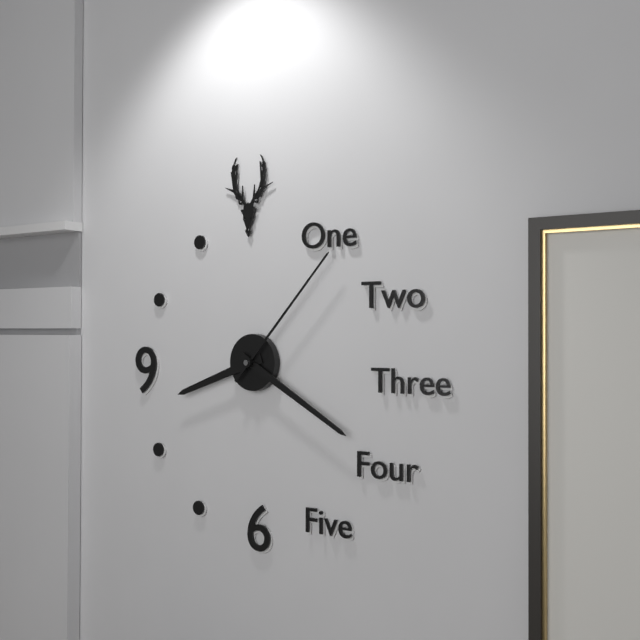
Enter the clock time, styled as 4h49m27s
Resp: 8h20m07s
